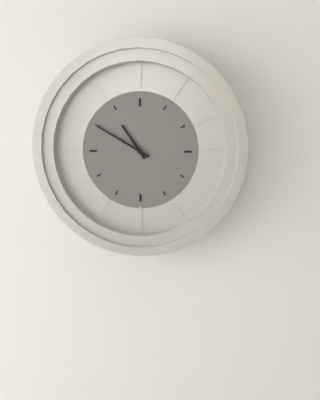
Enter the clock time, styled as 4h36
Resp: 10h50
